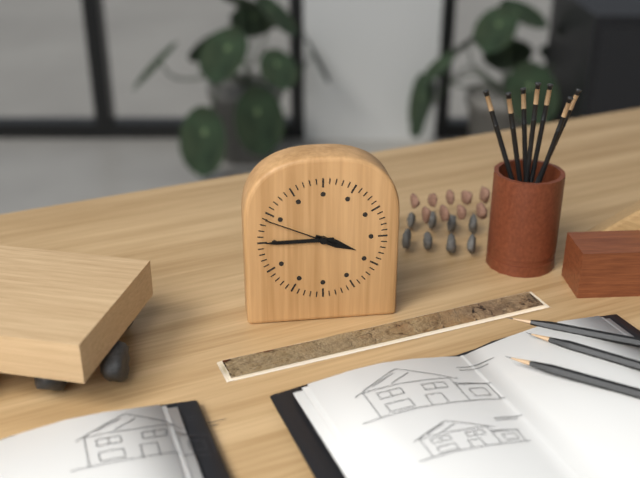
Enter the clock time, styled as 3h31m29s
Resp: 3h45m49s
